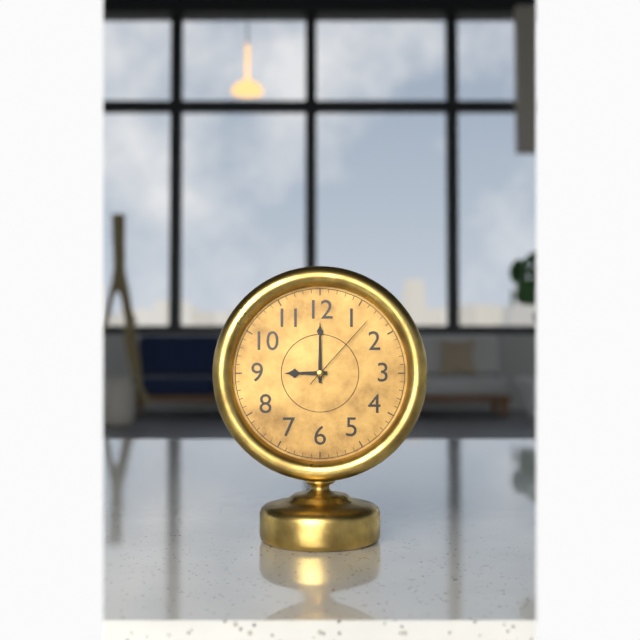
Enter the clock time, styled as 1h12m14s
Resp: 9h00m07s
